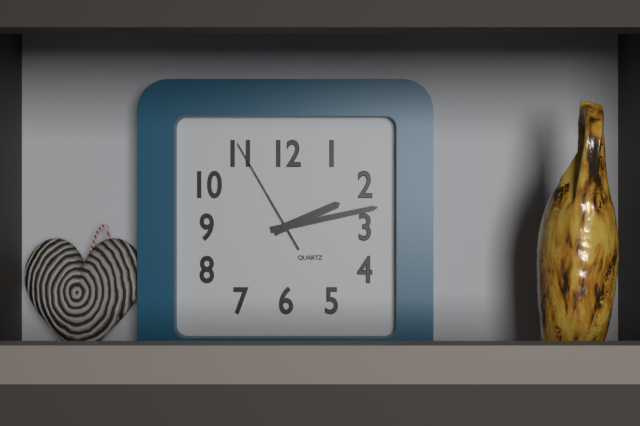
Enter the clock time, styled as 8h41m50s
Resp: 2h13m55s
